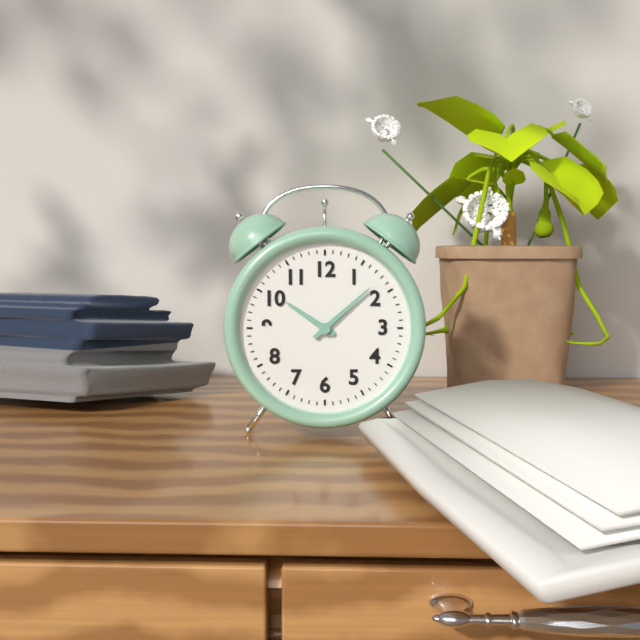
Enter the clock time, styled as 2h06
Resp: 10h08
